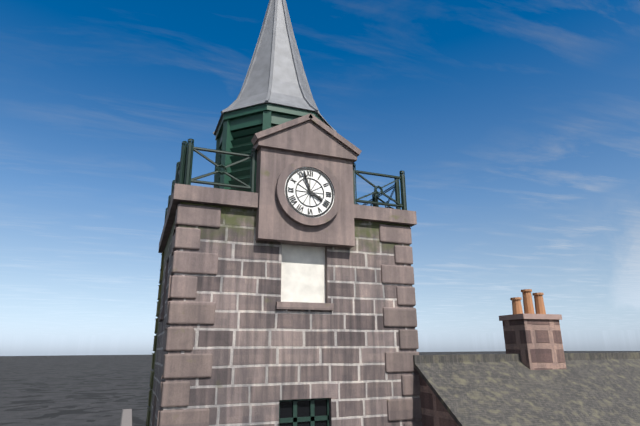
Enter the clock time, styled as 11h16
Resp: 3h57
